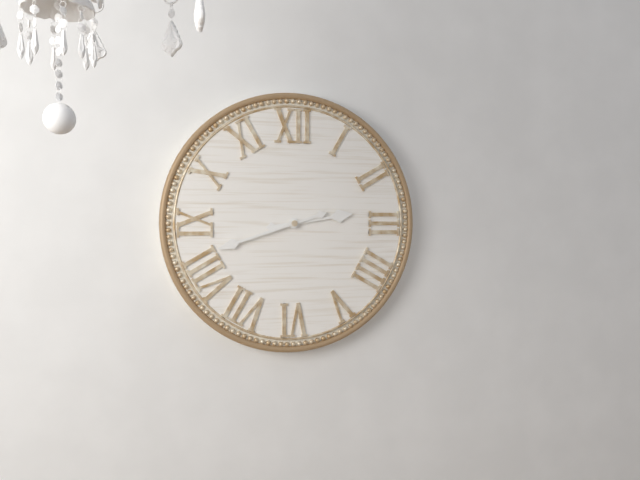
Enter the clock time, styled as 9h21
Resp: 2h42
